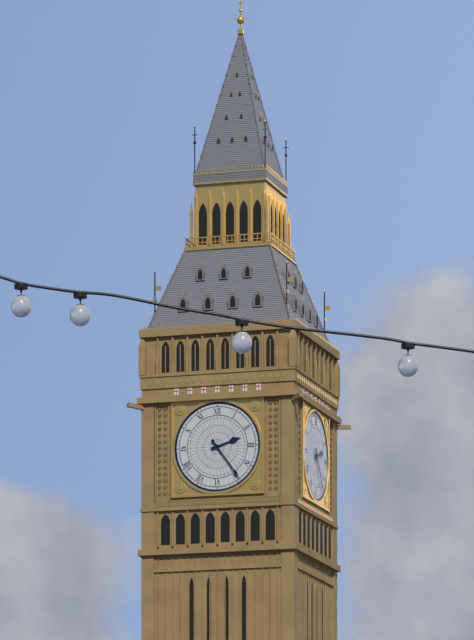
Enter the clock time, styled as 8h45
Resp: 2h24
